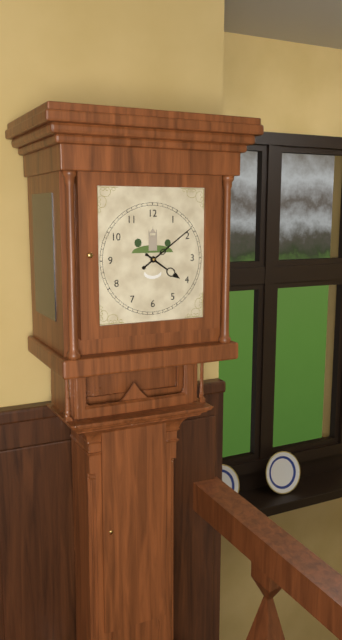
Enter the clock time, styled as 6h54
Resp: 4h09
